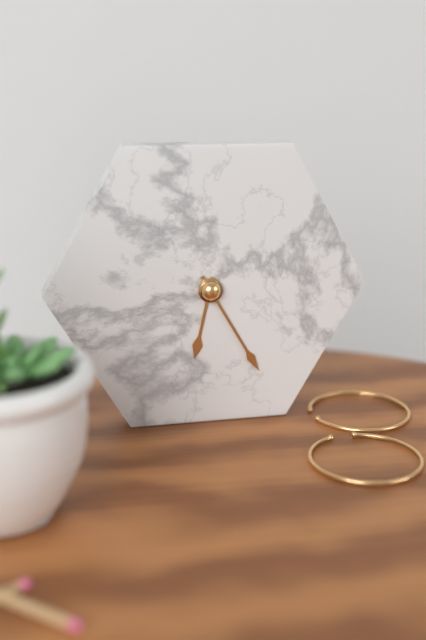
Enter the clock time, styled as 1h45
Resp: 6h25
